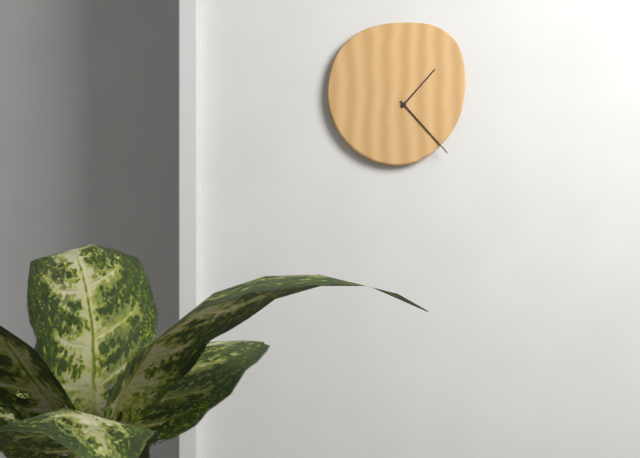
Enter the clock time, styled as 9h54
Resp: 1h23
